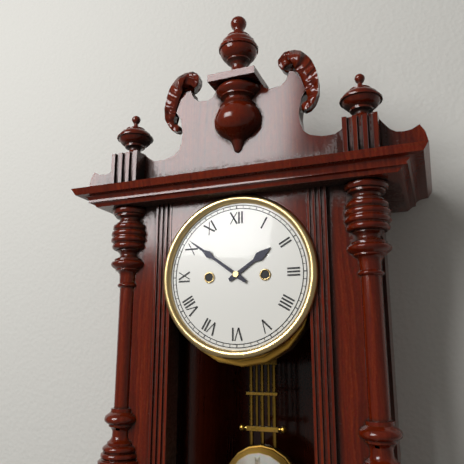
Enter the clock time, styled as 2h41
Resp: 1h51
